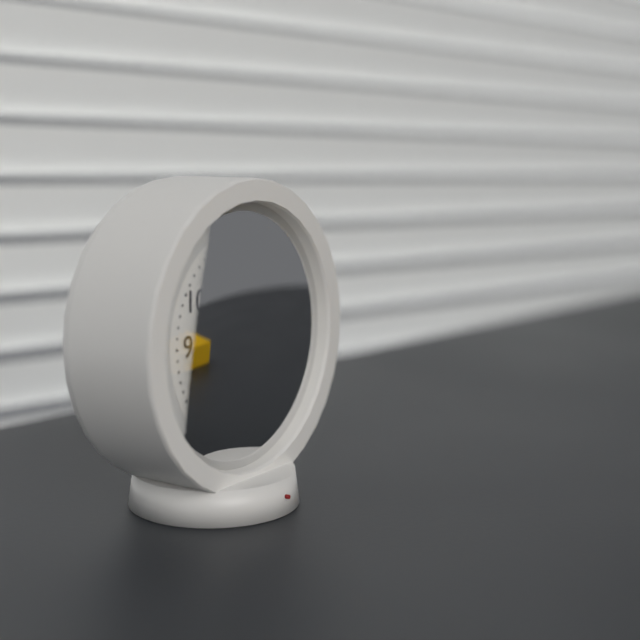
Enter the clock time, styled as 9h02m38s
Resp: 12h06m21s
